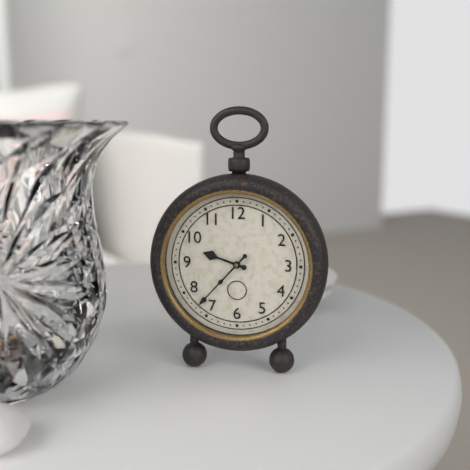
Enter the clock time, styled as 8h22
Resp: 9h37
